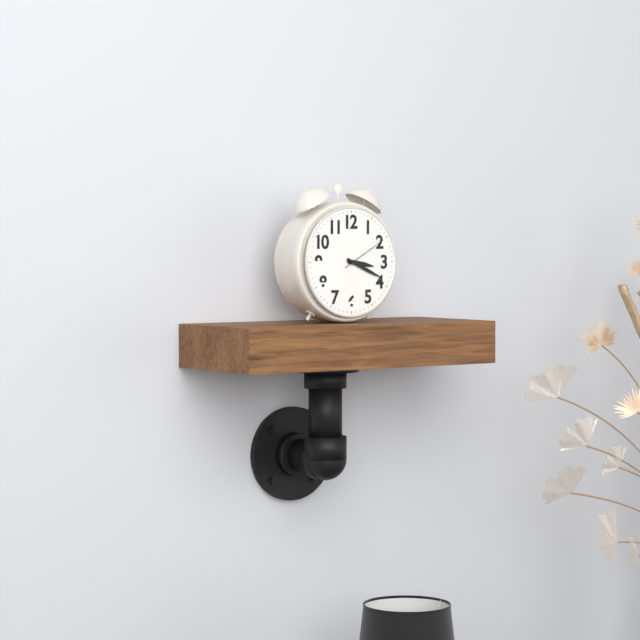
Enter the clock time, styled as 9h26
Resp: 3h19
